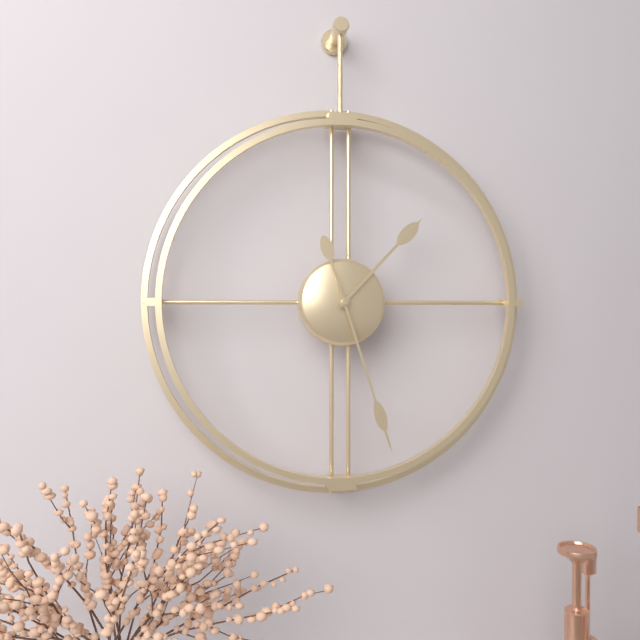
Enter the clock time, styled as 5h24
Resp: 1h27
